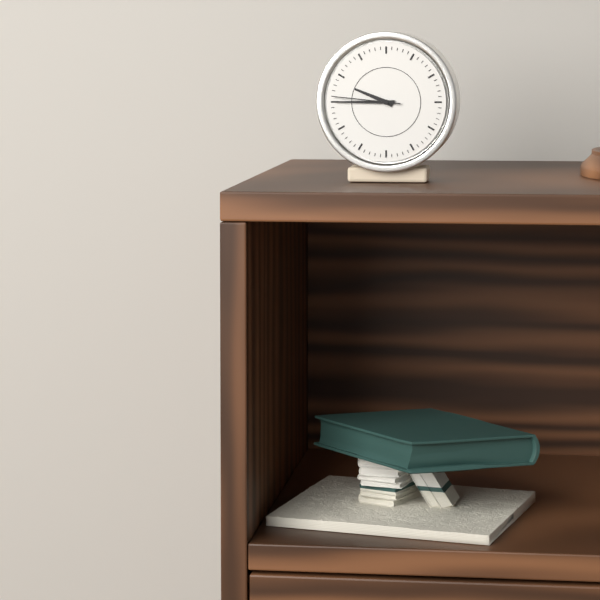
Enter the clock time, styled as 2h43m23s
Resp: 9h45m46s
